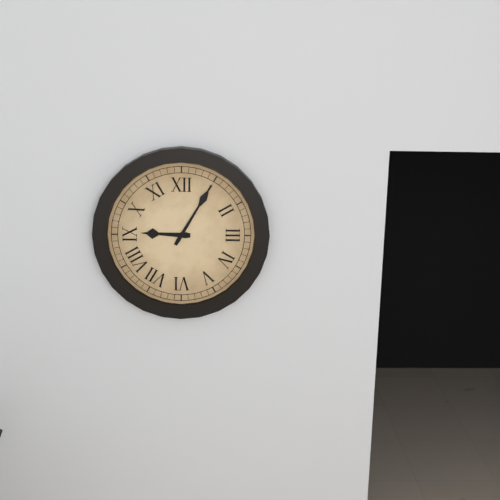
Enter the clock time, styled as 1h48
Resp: 9h05
